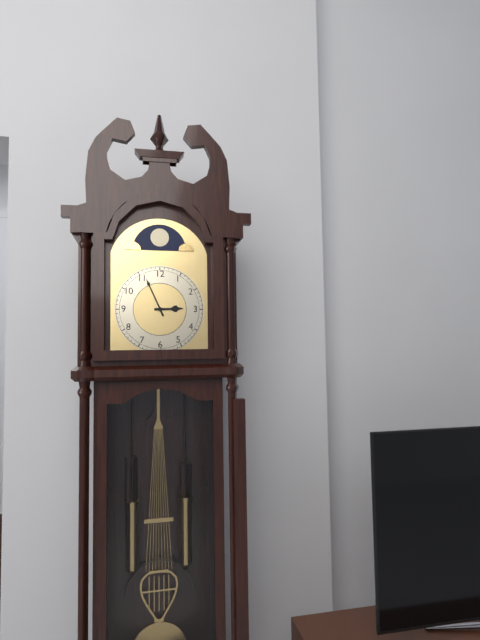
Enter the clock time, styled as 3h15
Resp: 2h56
